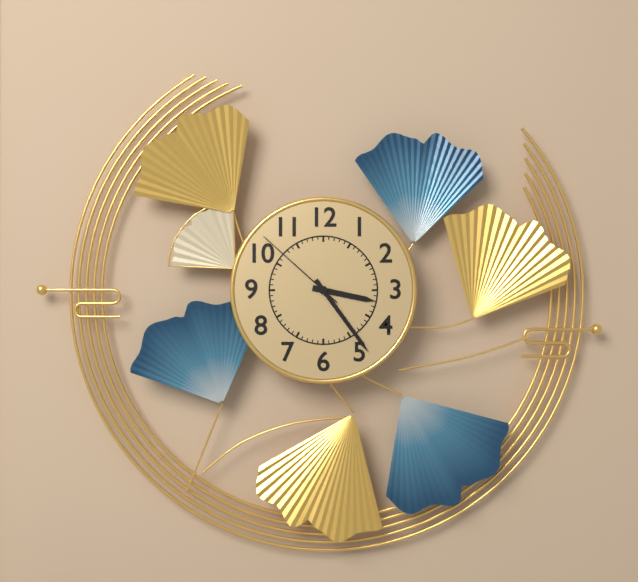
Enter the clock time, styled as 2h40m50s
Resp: 3h24m52s
